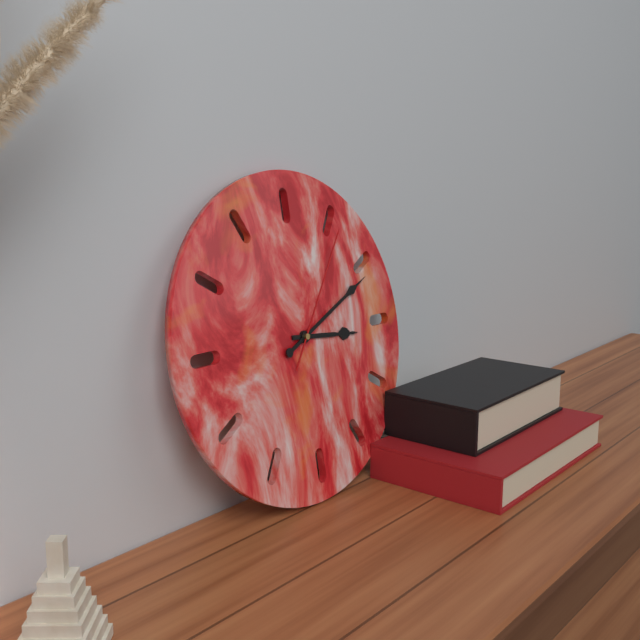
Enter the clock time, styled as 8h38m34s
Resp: 3h11m06s
